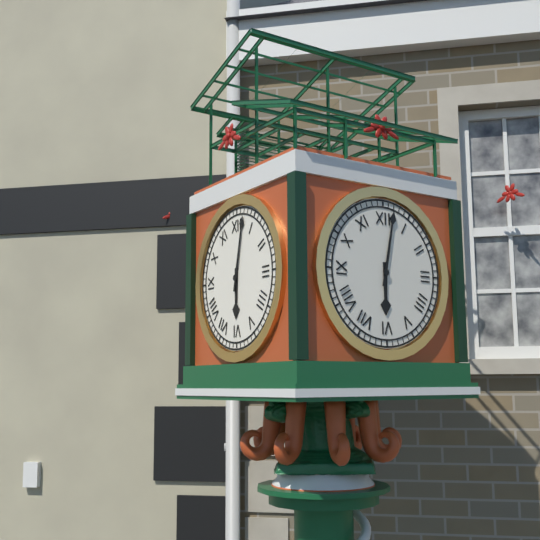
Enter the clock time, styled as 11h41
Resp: 6h02
